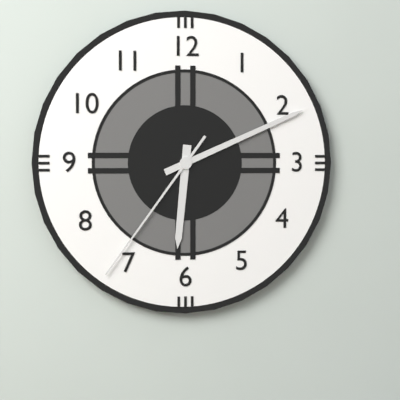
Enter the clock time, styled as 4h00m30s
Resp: 6h11m36s
